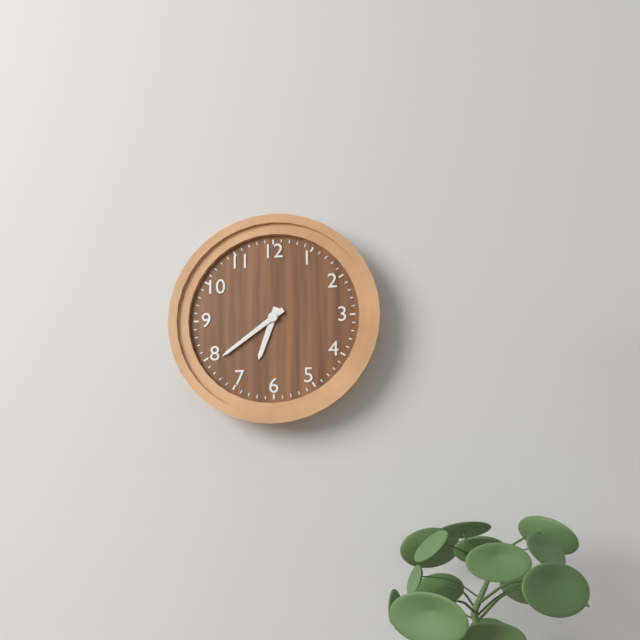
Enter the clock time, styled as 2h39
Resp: 6h39
